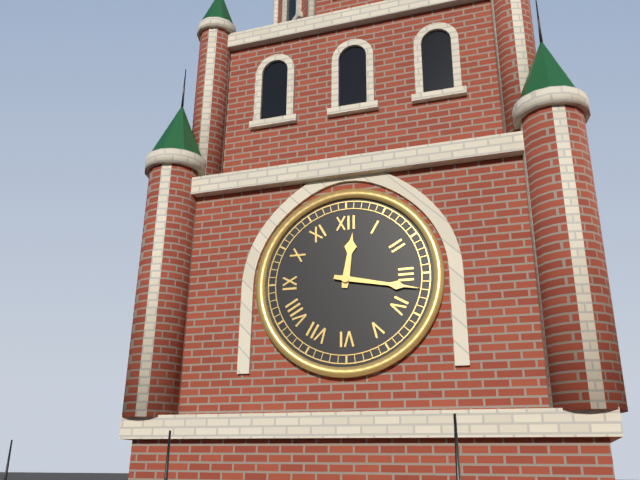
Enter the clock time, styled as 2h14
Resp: 12h17
